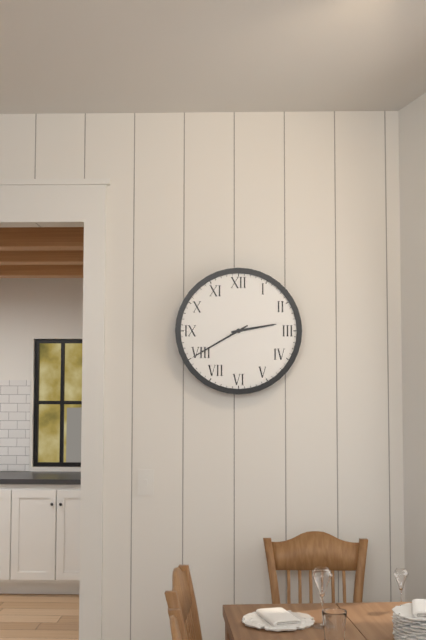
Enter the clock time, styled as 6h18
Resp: 2h40
